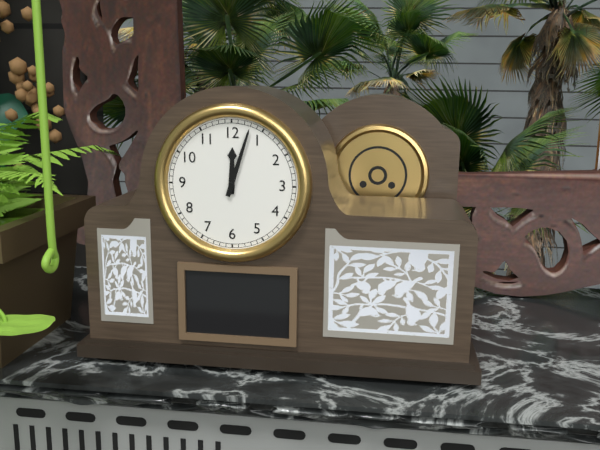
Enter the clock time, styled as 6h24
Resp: 12h03
